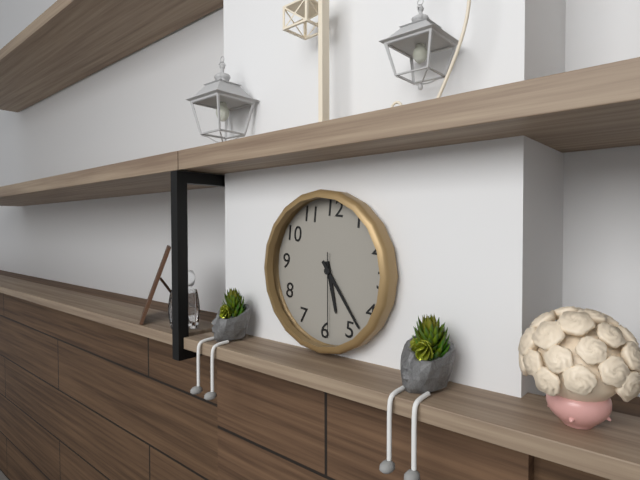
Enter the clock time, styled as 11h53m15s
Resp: 5h23m29s
